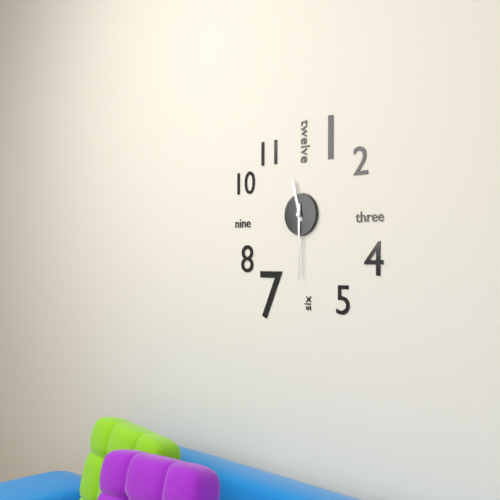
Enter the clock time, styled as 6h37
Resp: 11h30
